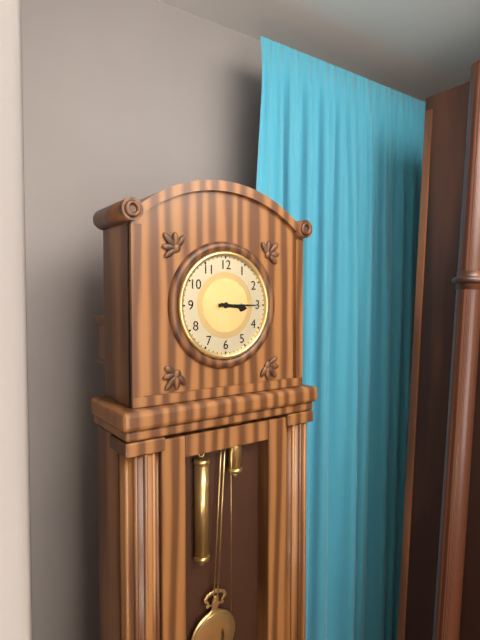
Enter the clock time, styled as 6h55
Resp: 3h15
